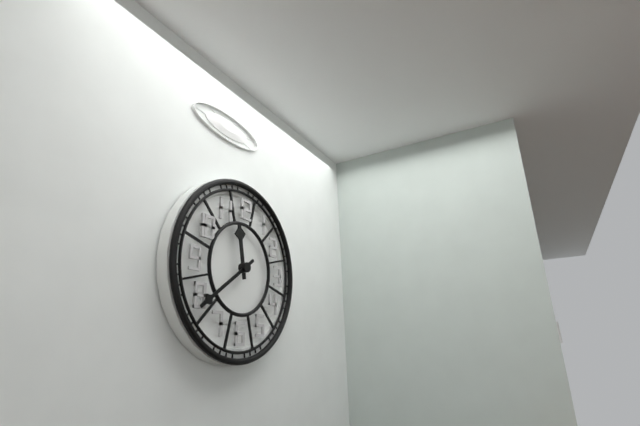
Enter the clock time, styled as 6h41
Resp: 11h39
